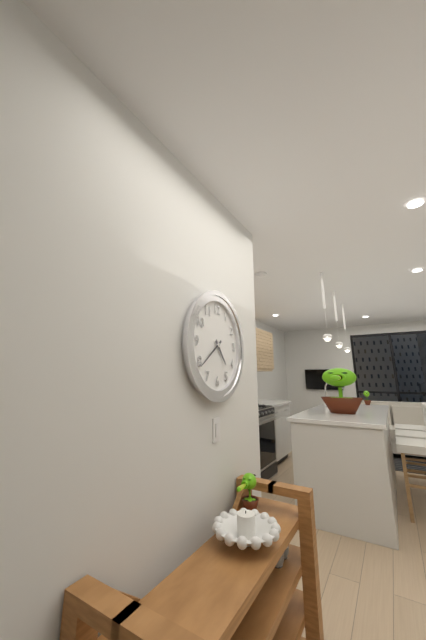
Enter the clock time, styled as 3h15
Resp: 4h39
